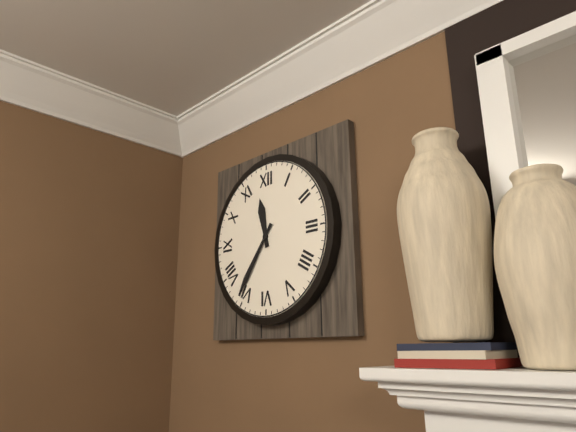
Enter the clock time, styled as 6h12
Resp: 11h36
